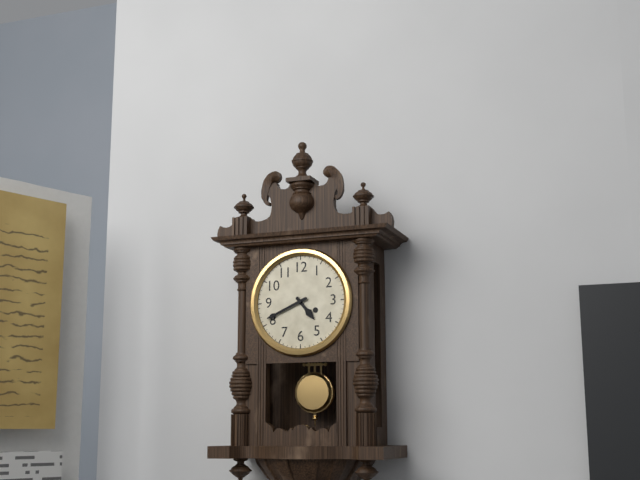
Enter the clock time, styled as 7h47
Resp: 4h41
